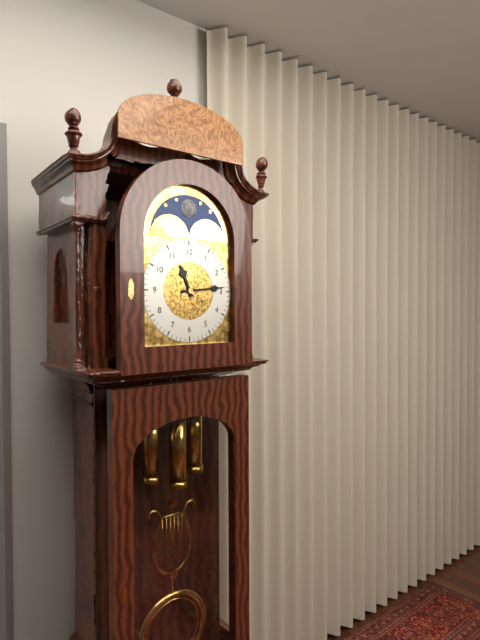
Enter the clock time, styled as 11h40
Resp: 11h14
